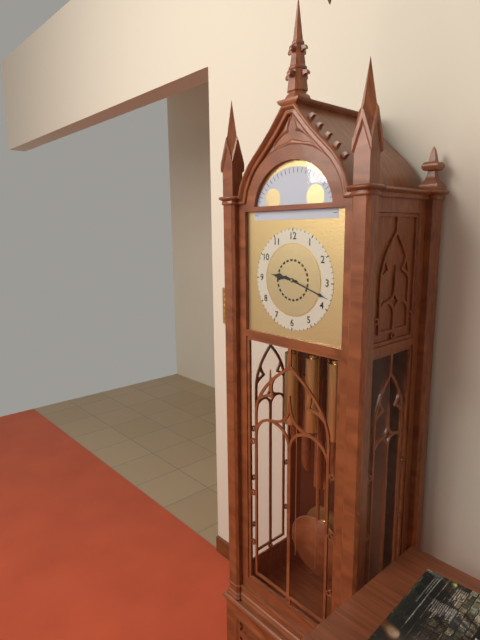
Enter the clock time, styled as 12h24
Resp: 9h18
